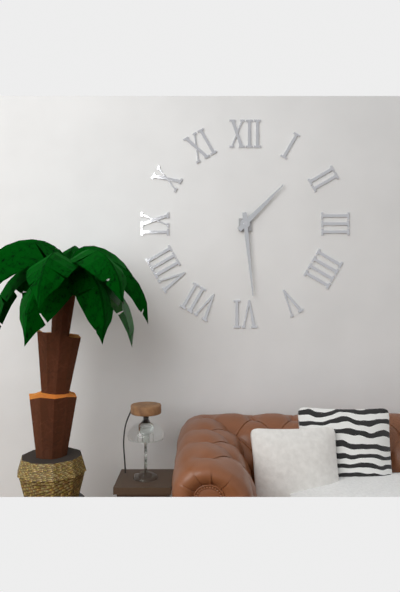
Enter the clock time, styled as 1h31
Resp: 1h29
